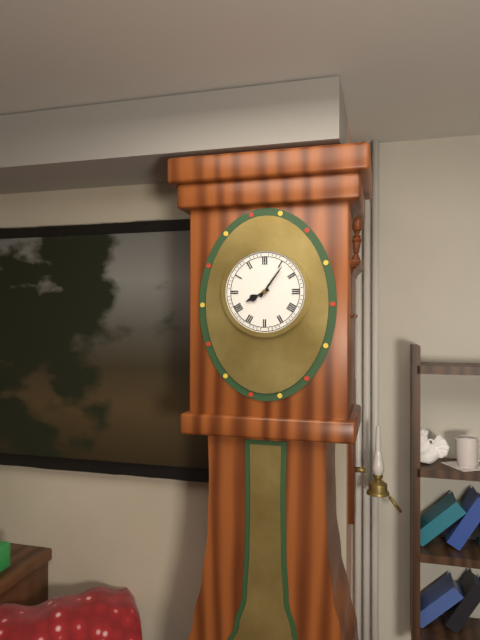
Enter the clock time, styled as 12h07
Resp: 8h06
